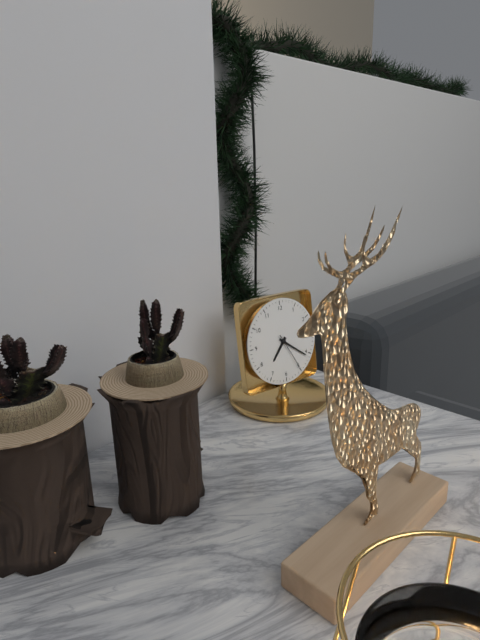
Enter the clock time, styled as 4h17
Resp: 7h21
